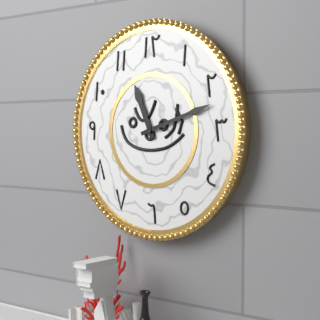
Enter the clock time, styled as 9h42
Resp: 11h12
